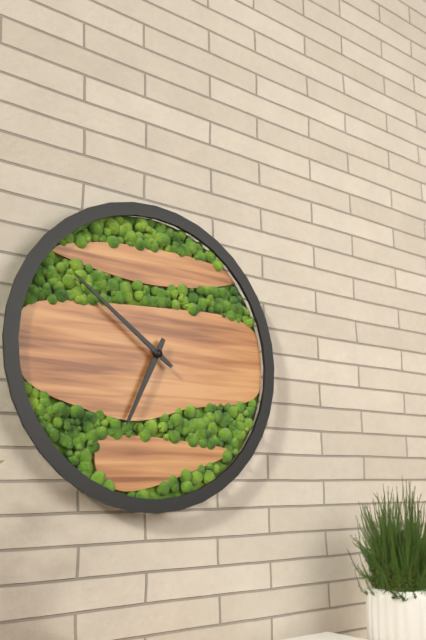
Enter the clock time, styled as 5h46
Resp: 6h51
